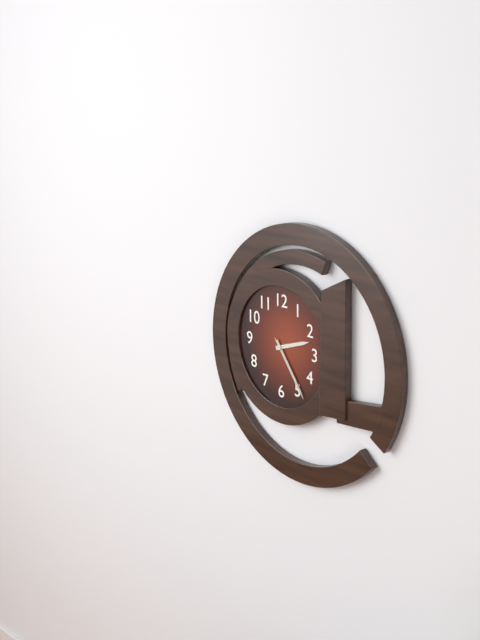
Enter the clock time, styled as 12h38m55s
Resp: 2h24m24s
